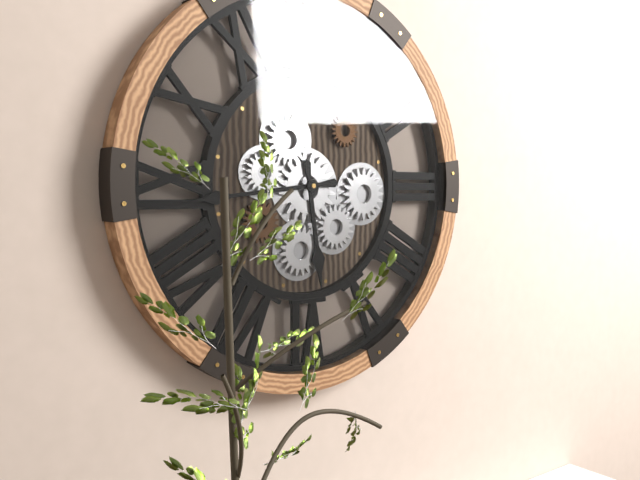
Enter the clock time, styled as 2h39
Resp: 5h44
